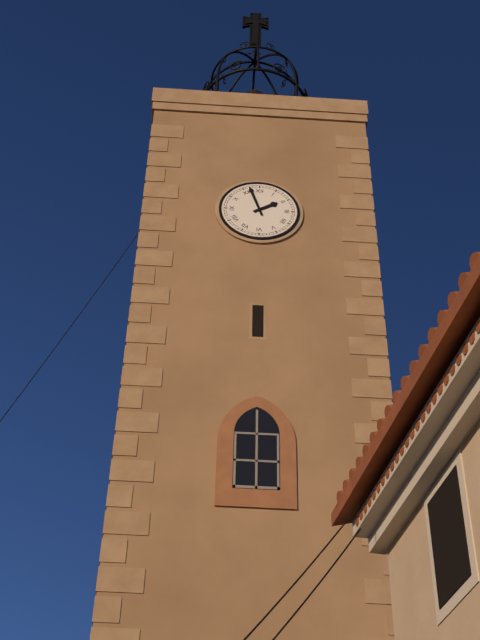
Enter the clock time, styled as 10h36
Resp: 1h57
